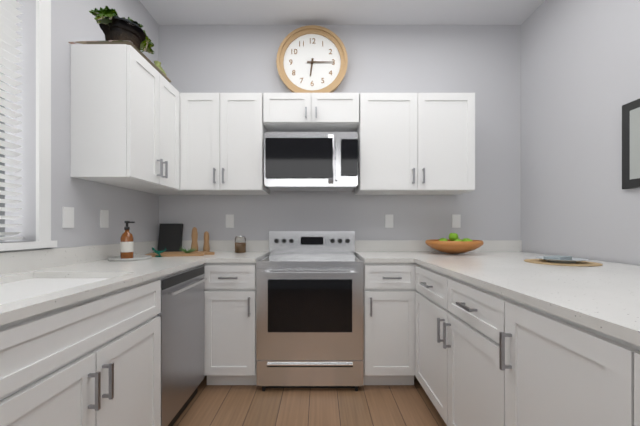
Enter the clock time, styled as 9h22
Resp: 6h15
